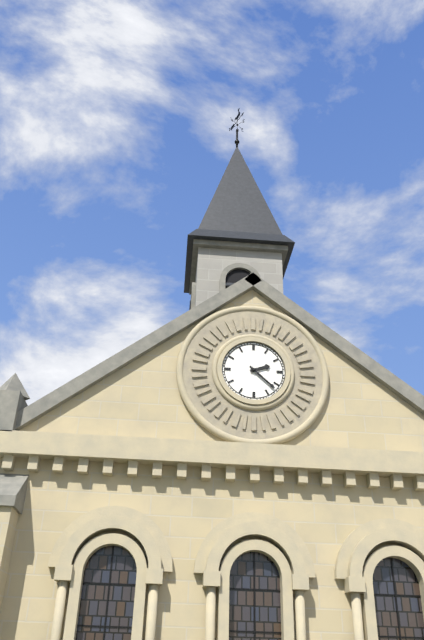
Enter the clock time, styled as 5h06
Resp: 2h22
